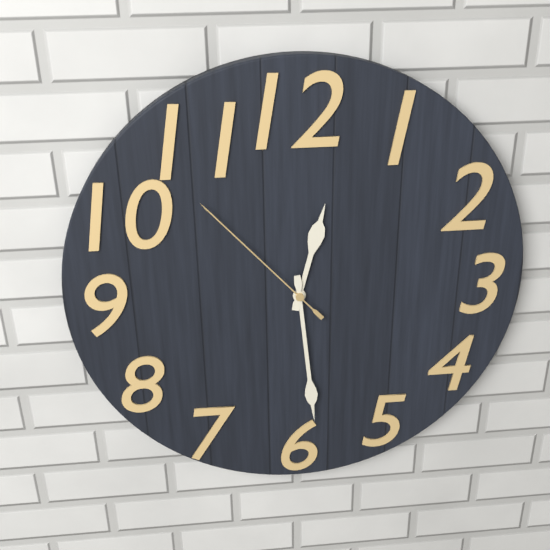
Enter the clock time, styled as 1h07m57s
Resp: 12h29m53s
